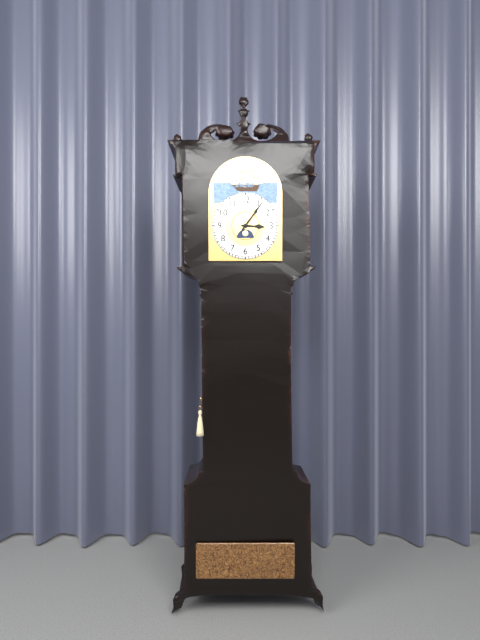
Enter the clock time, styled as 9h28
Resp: 3h06
